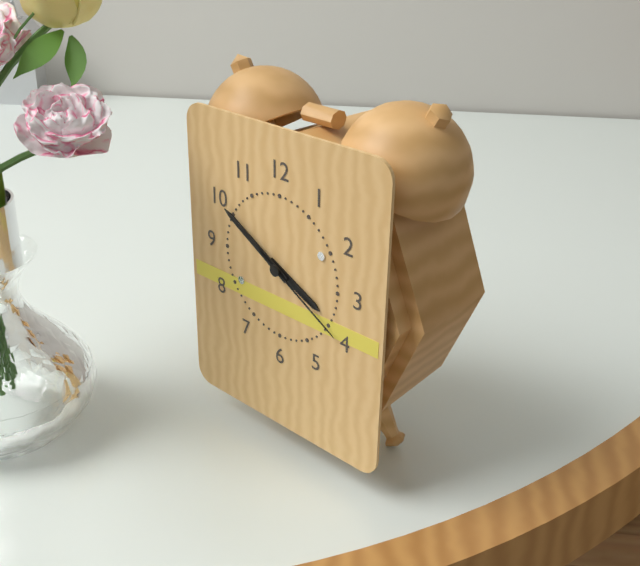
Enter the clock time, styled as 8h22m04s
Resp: 3h50m20s
